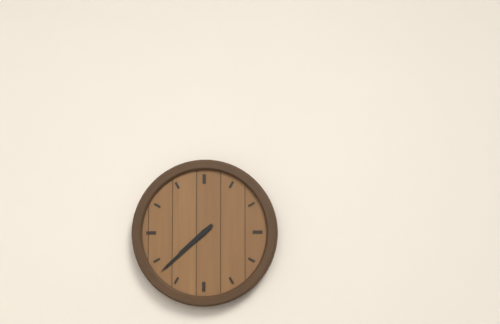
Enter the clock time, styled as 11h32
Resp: 7h38
